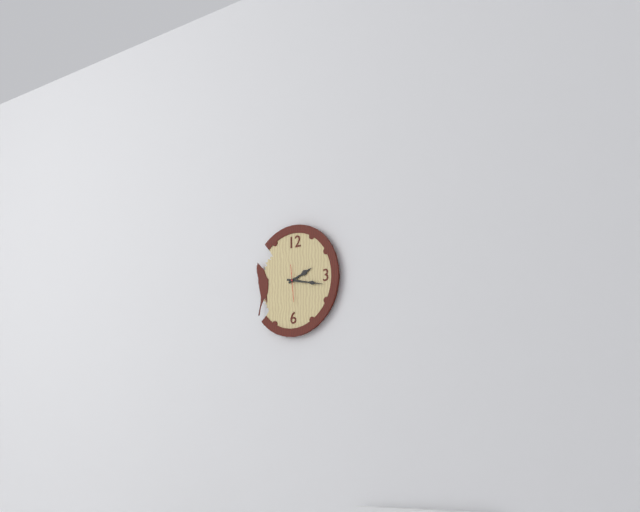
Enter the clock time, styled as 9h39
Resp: 2h17
